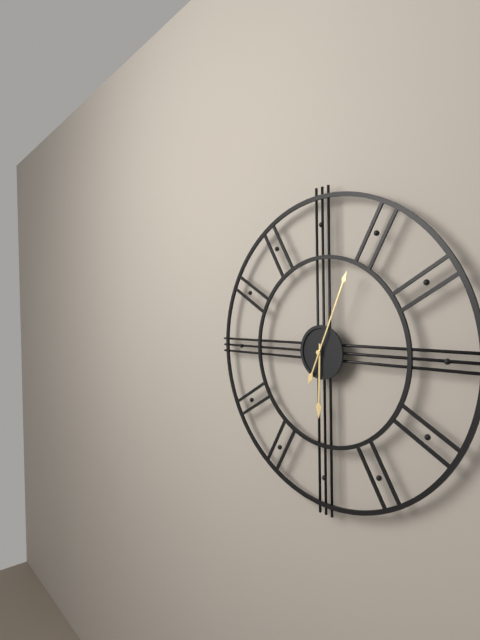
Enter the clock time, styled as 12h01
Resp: 6h04
